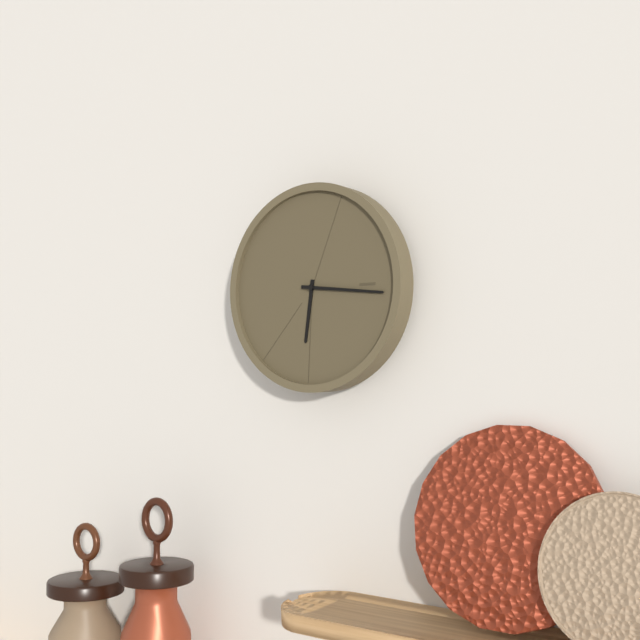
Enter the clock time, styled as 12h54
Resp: 6h16
